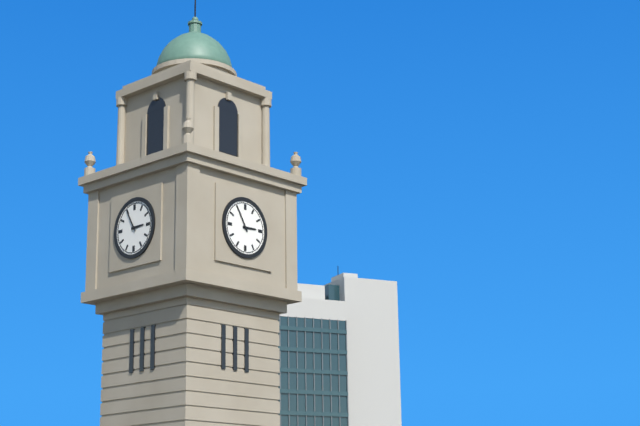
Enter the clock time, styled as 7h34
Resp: 2h55
